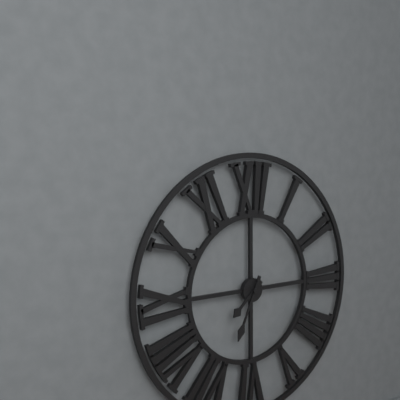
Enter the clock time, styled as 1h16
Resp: 7h34
